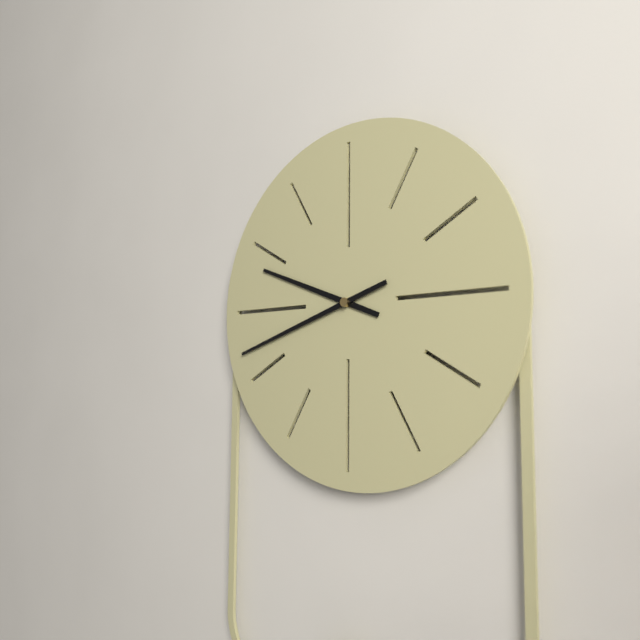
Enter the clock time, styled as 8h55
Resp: 9h42
